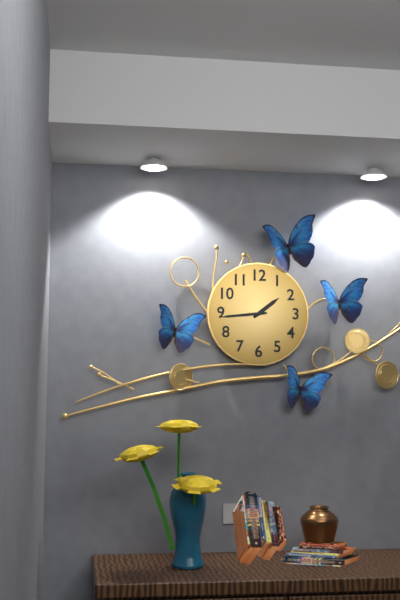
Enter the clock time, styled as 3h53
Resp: 1h44
